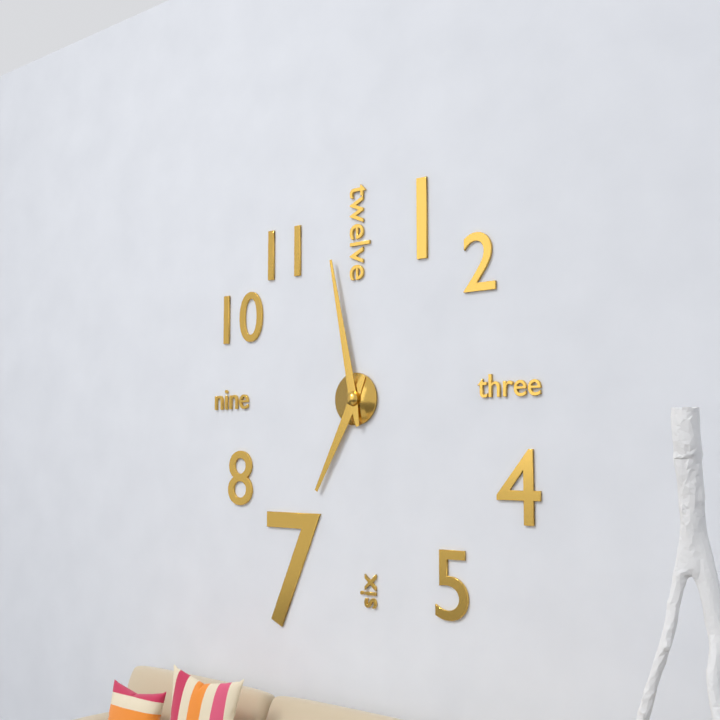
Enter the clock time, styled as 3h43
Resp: 6h58
